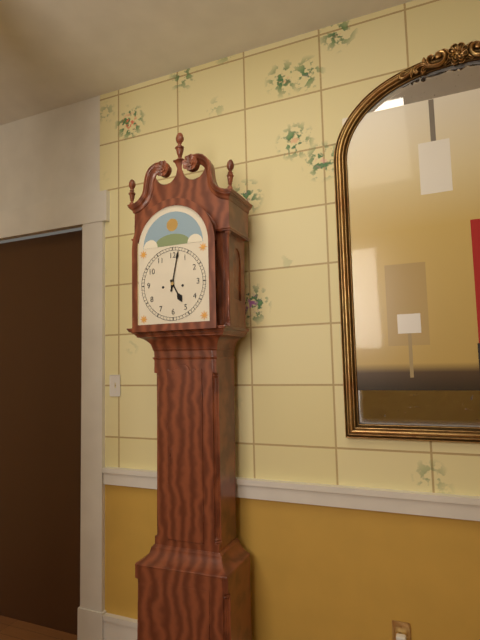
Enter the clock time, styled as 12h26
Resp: 5h02
